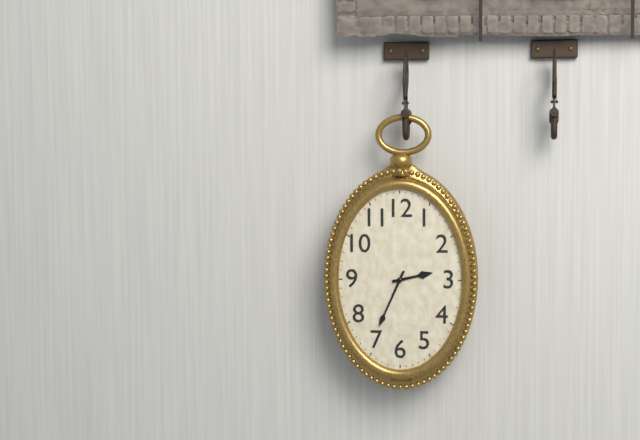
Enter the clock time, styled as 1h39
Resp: 2h34
